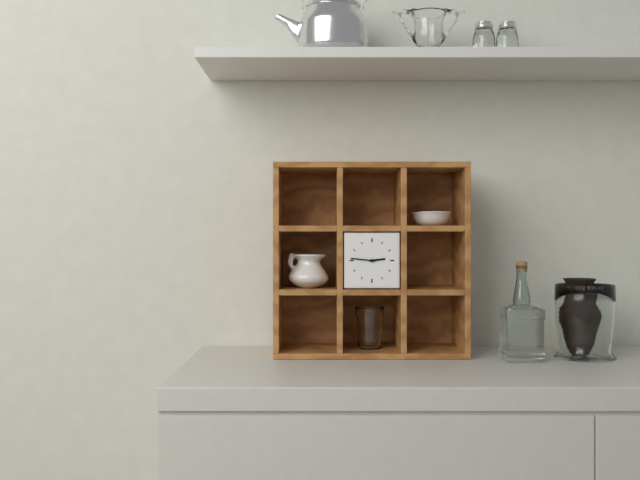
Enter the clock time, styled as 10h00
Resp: 2h46
